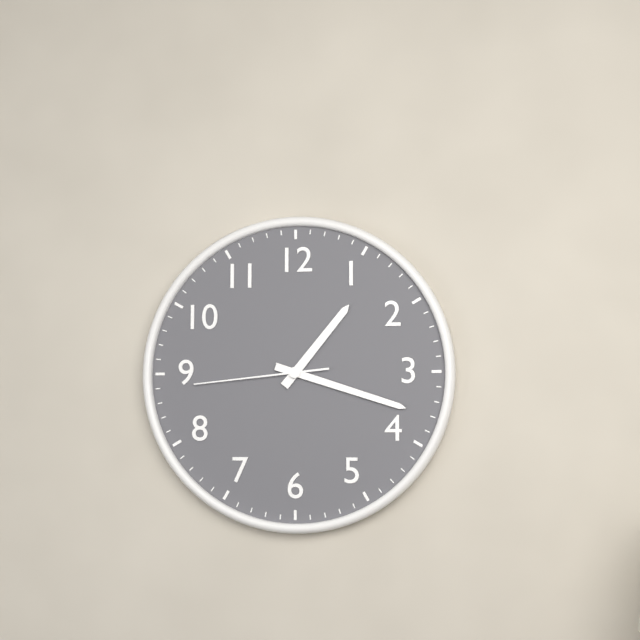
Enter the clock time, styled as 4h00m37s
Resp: 1h18m44s
